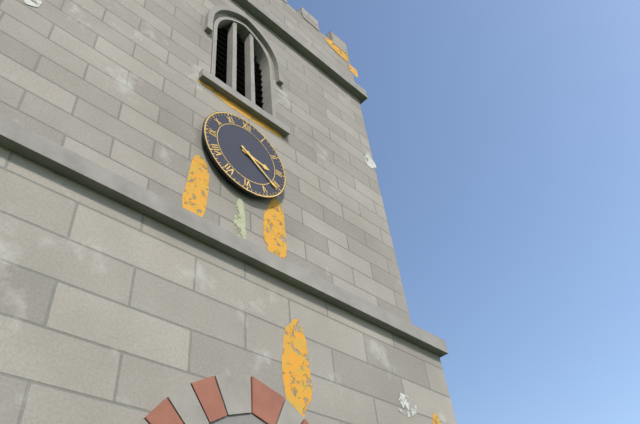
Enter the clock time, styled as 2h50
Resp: 3h21
